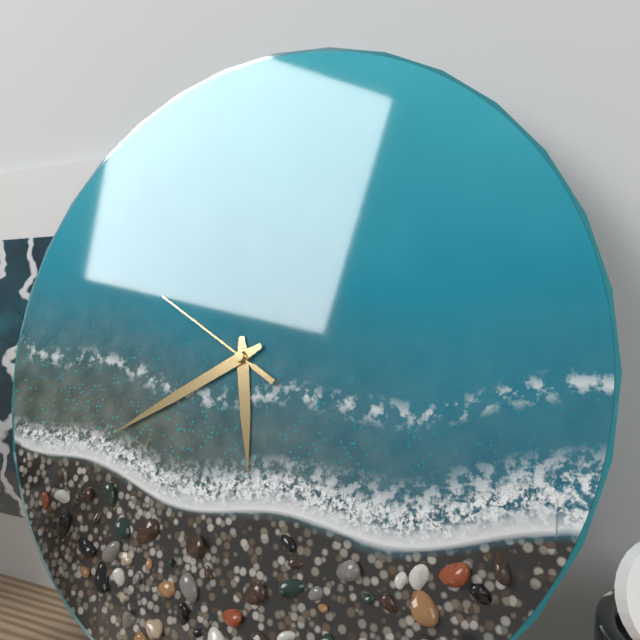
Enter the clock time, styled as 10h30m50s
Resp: 5h40m50s
